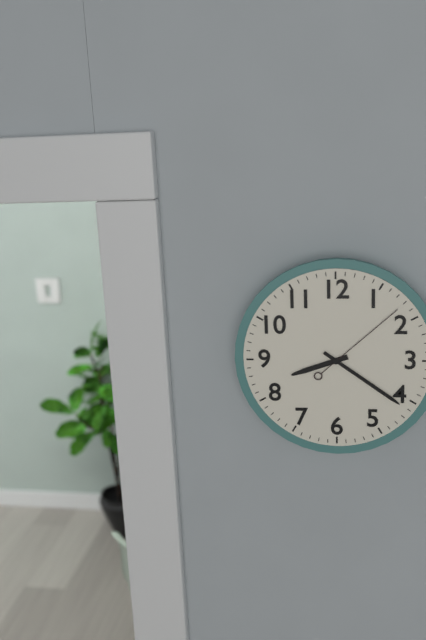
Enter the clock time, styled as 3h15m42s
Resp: 8h21m08s
